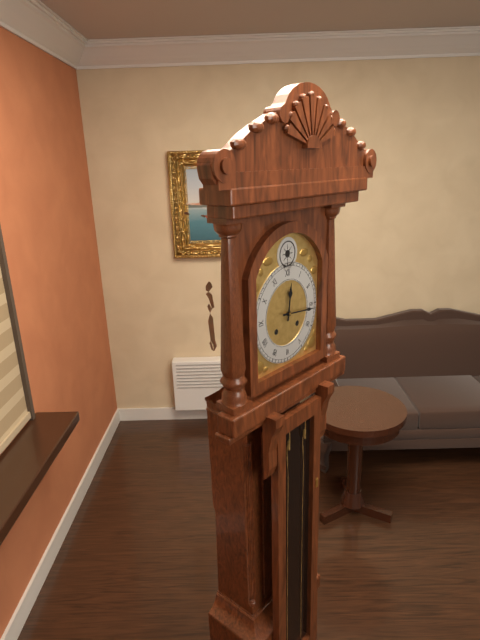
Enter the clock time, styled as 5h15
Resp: 12h16
